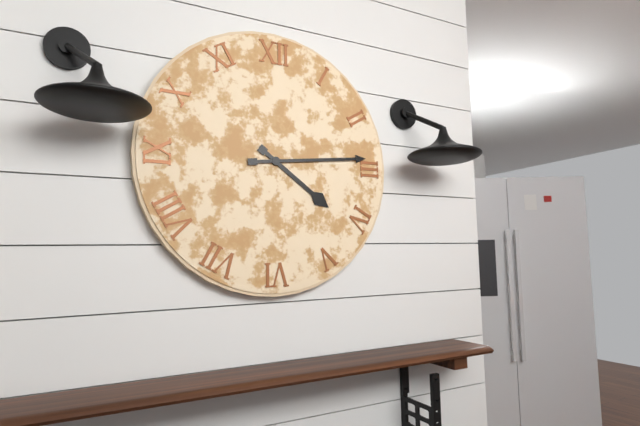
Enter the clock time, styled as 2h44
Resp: 4h14
